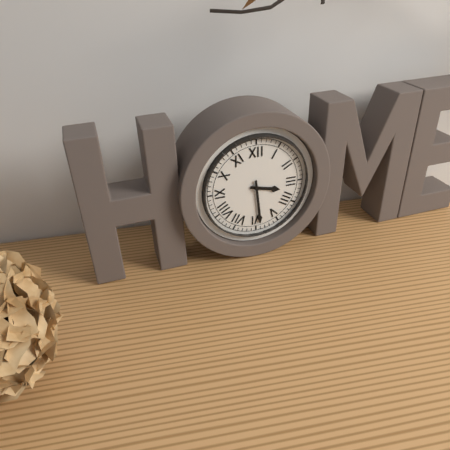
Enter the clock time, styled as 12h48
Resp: 3h29
